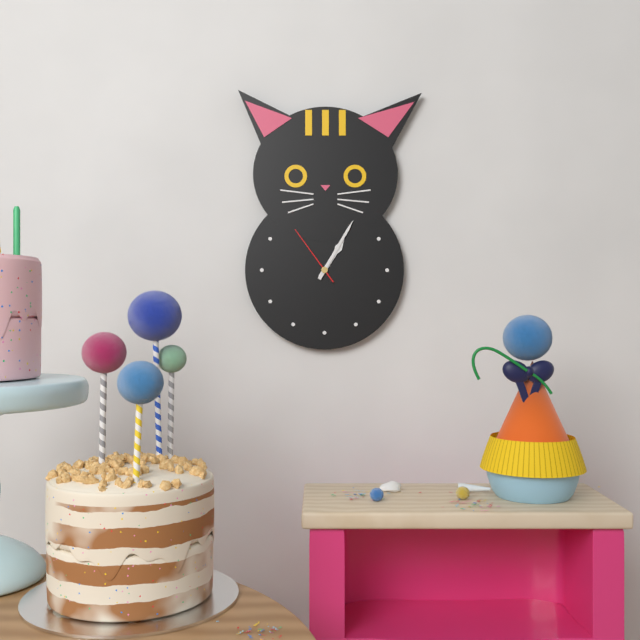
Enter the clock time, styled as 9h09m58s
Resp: 1h05m54s
